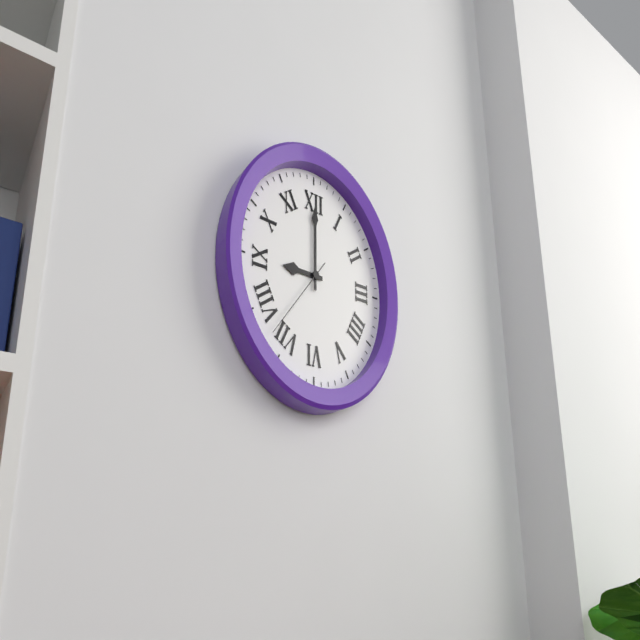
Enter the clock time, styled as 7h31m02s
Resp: 9h00m37s
